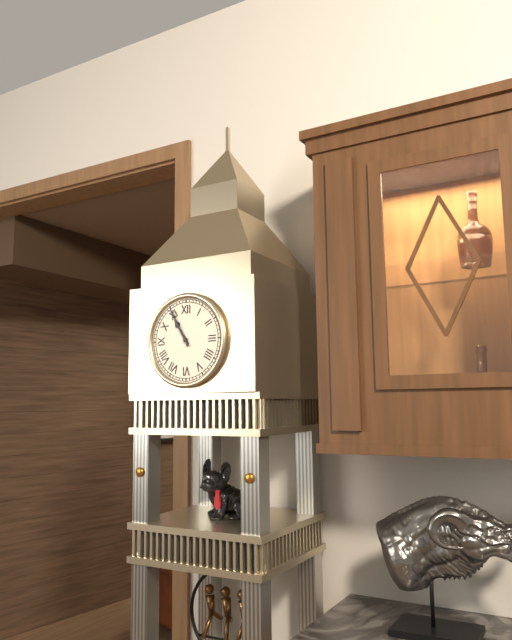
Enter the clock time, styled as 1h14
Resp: 10h55
